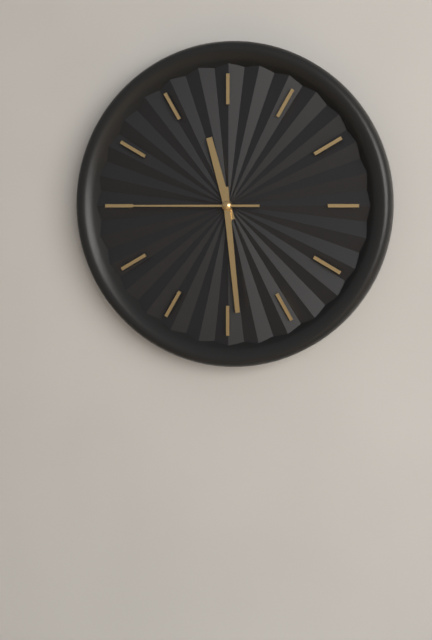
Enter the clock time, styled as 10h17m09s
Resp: 11h29m45s
